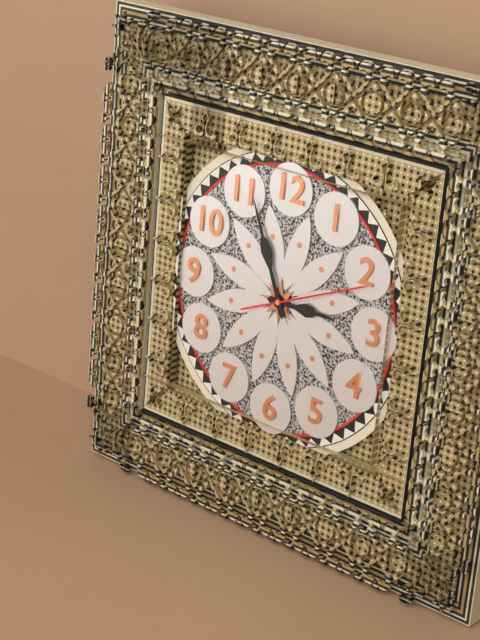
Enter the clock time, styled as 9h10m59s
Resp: 2h56m11s
